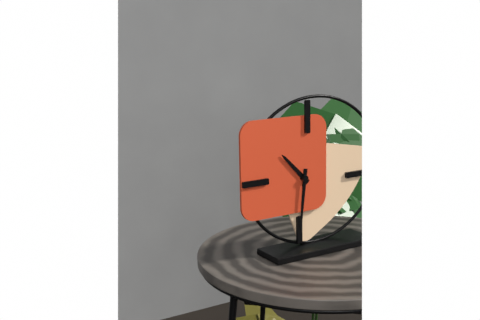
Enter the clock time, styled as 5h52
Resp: 10h31
